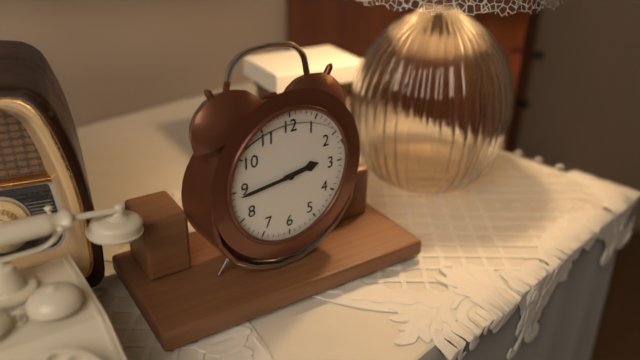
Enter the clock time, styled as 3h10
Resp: 2h44
